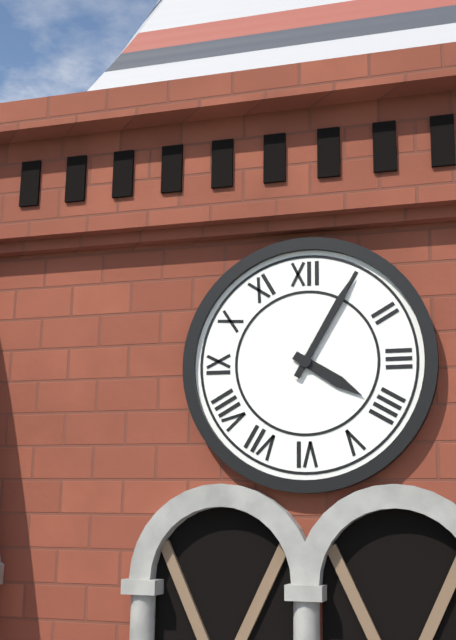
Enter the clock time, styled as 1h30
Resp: 4h05
